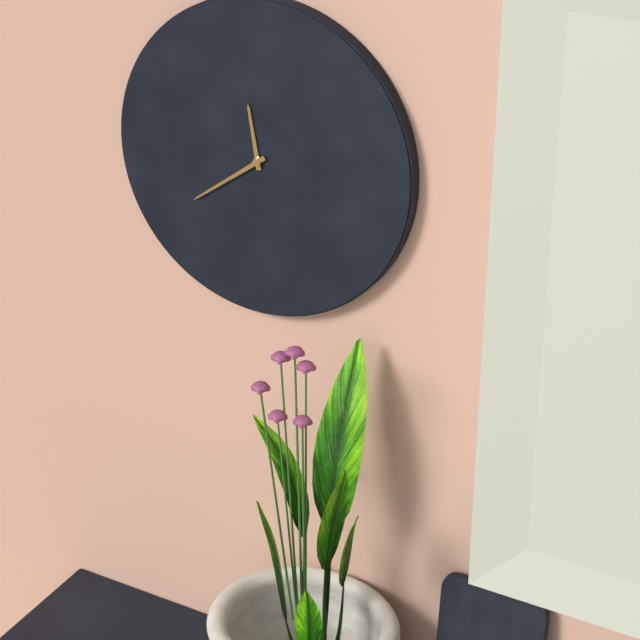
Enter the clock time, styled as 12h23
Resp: 11h39
